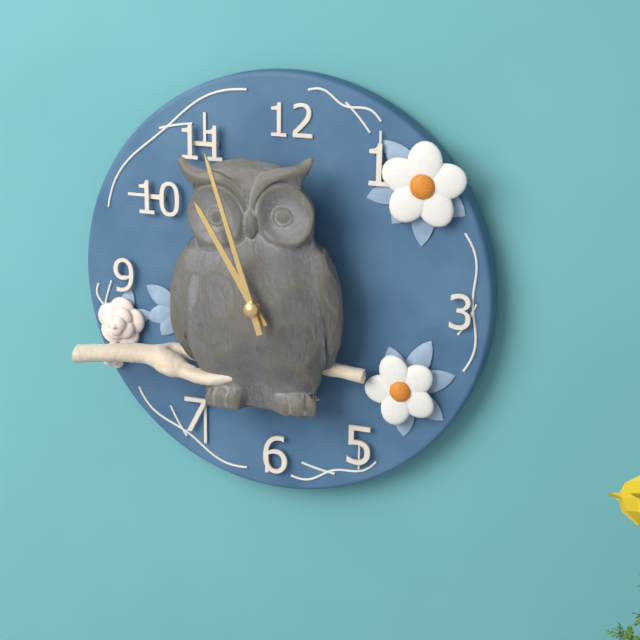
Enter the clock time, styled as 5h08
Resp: 10h57
